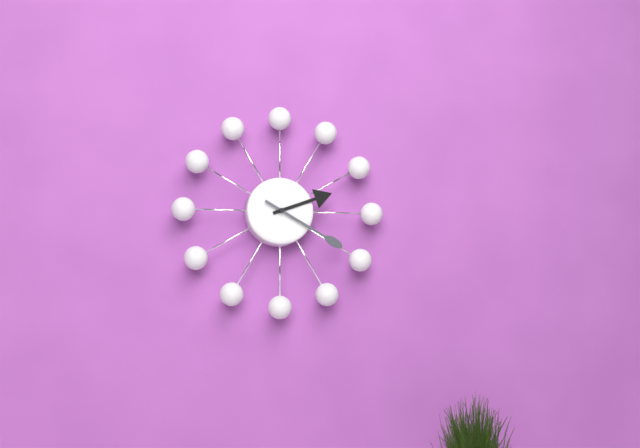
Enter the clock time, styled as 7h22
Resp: 2h20
